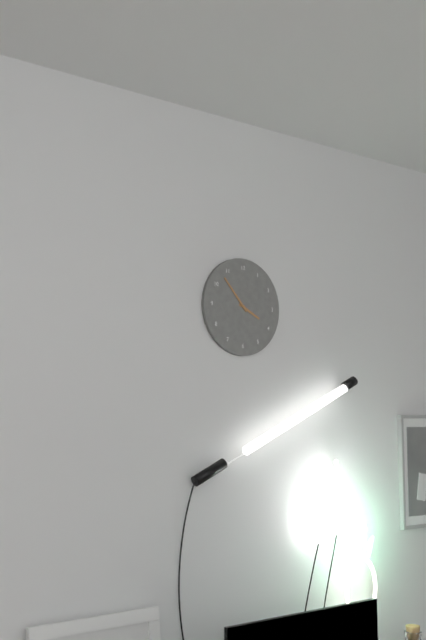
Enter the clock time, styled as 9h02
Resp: 3h53
